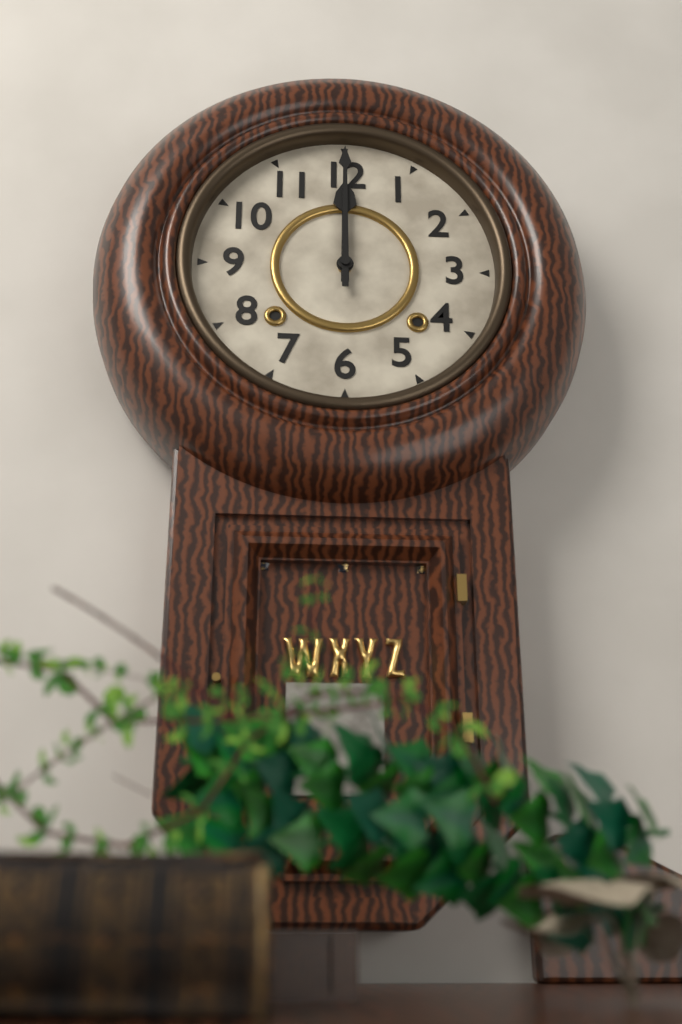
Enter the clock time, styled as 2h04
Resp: 12h00
